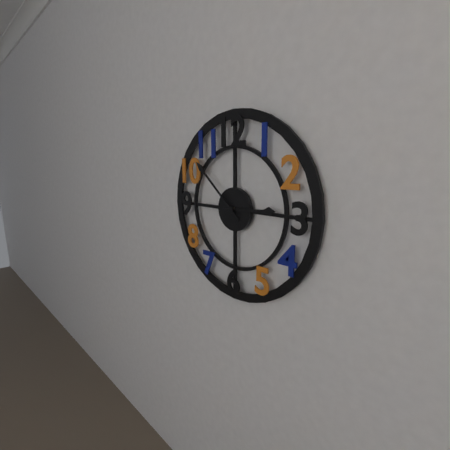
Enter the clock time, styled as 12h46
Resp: 2h52
